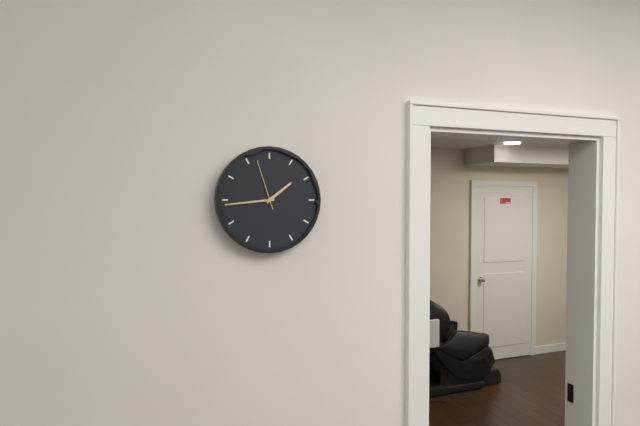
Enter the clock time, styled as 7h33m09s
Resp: 1h44m57s
